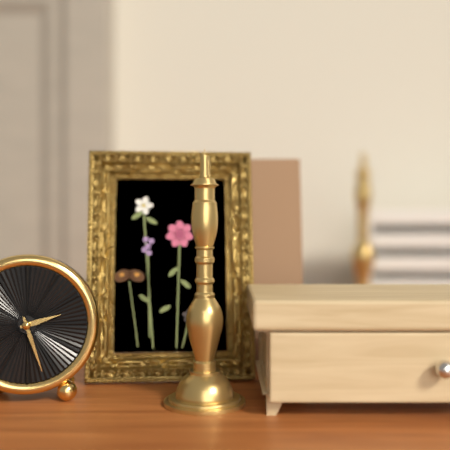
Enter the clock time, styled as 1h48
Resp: 2h27
